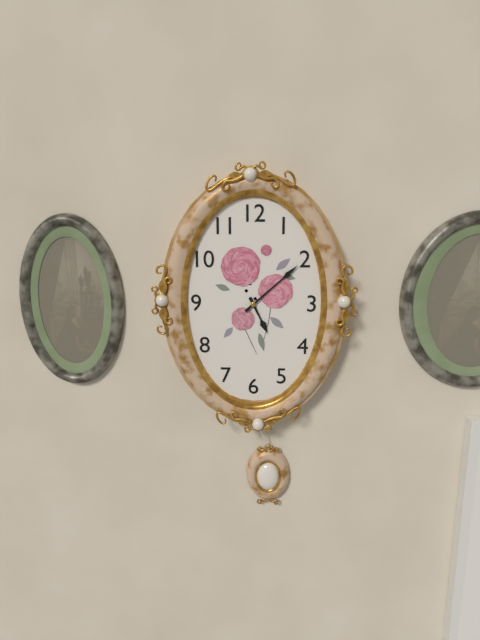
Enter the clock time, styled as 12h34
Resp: 5h08
